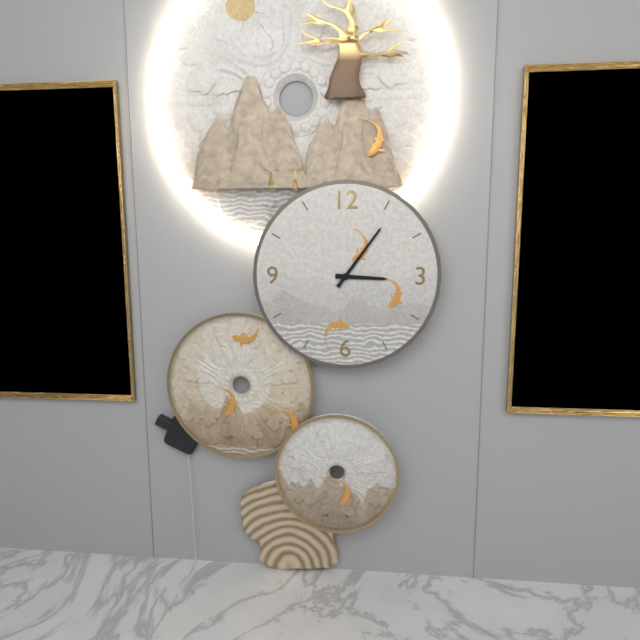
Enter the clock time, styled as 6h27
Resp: 3h06
